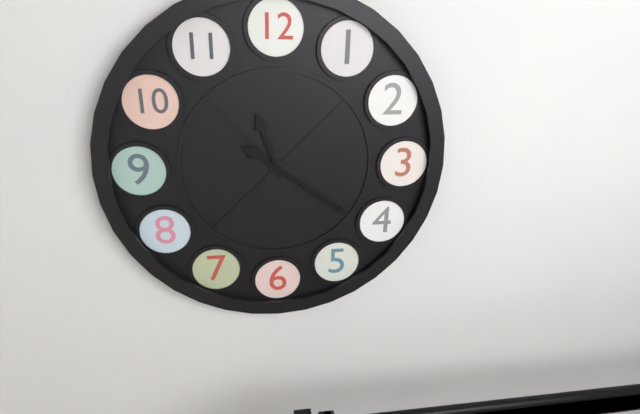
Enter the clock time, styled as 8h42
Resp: 11h21
